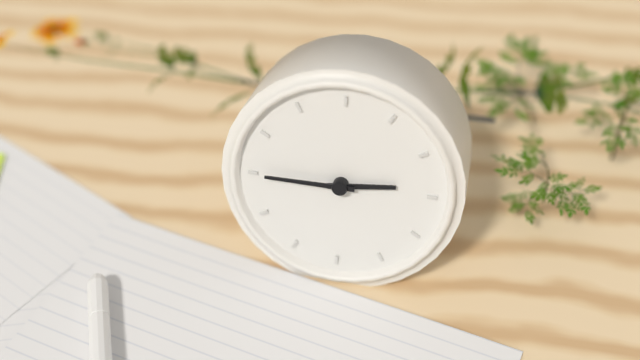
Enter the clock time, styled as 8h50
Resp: 2h45
